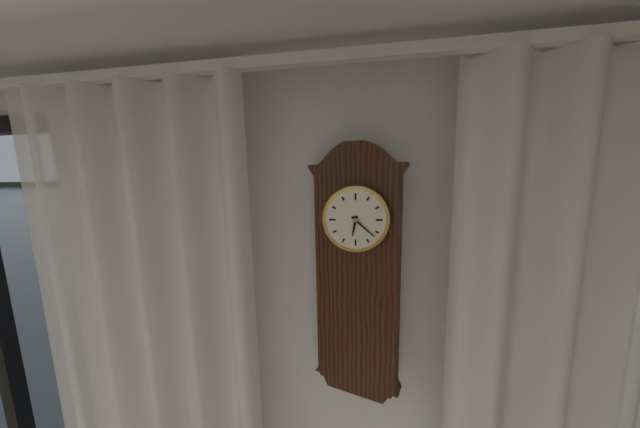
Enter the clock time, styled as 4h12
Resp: 6h22
